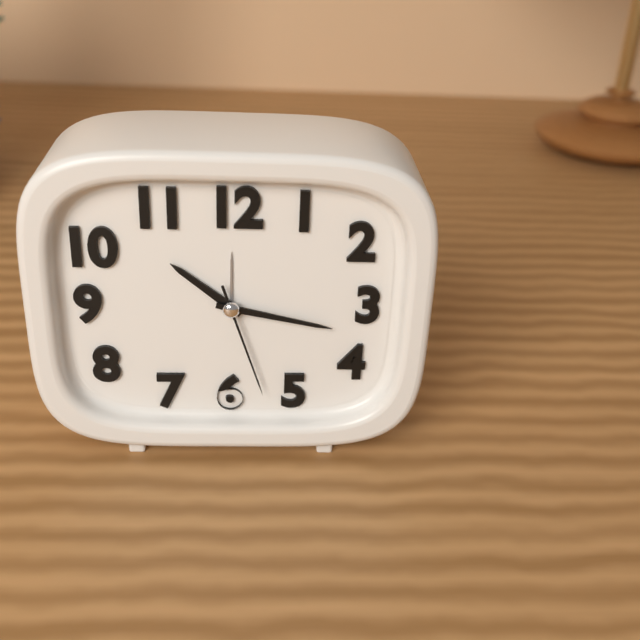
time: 10:17:27
